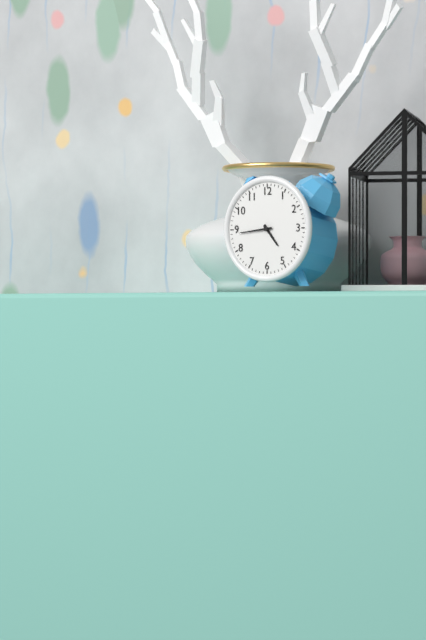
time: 4:44
